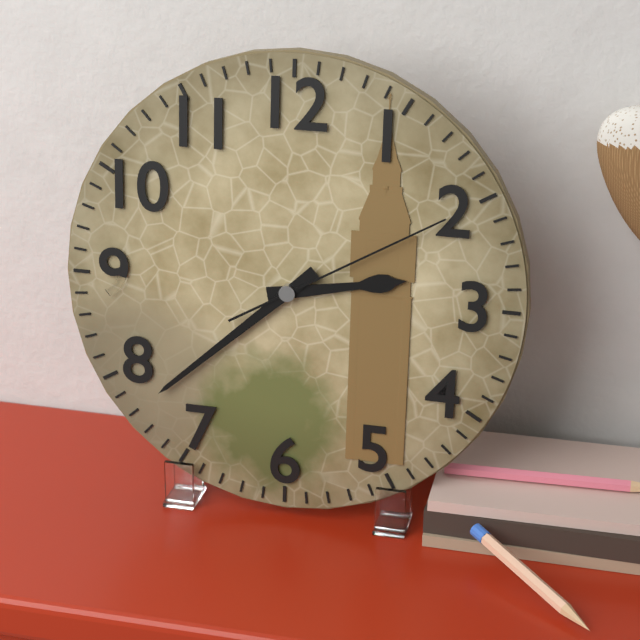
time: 2:38:10
